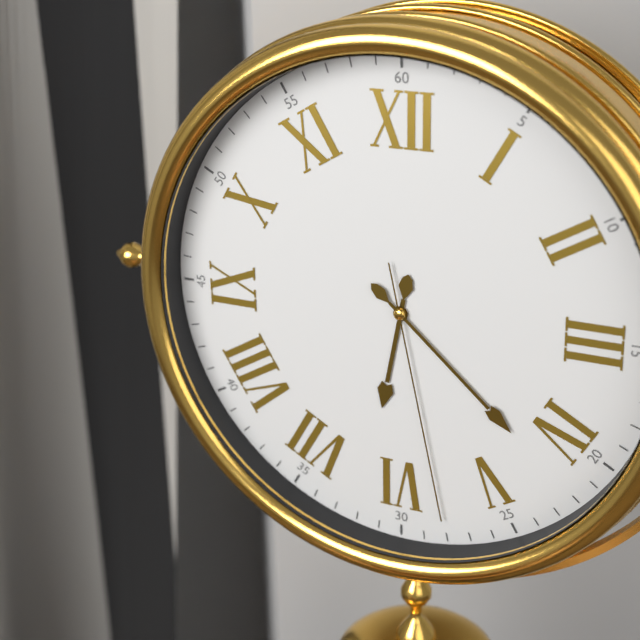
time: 6:22:28
